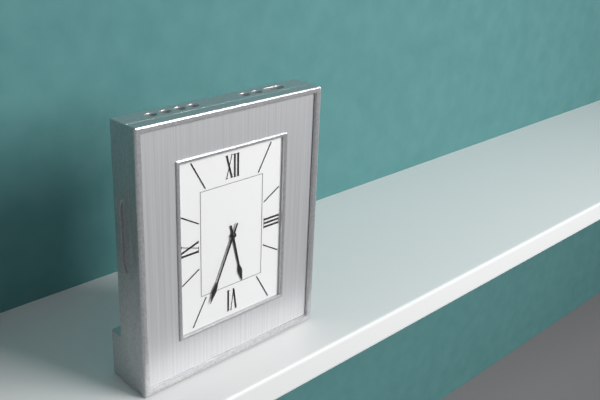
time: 5:34
